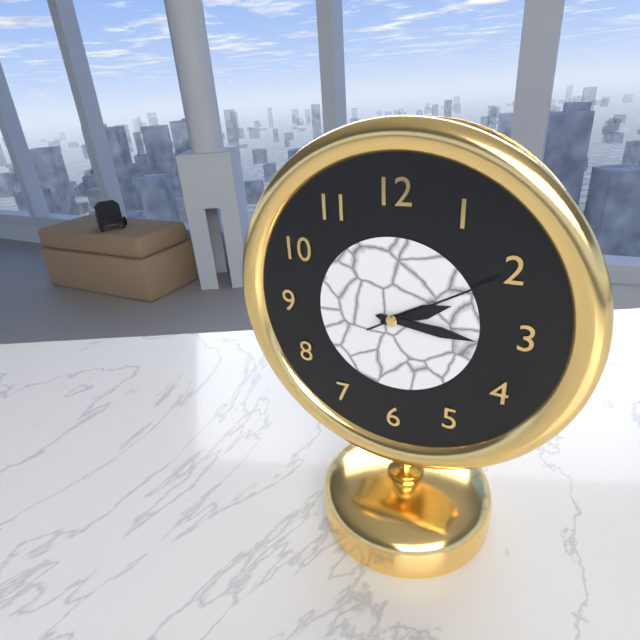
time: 2:16:10
